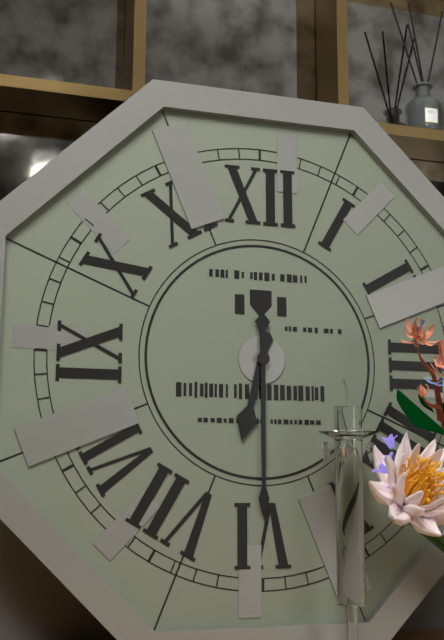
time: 6:30
